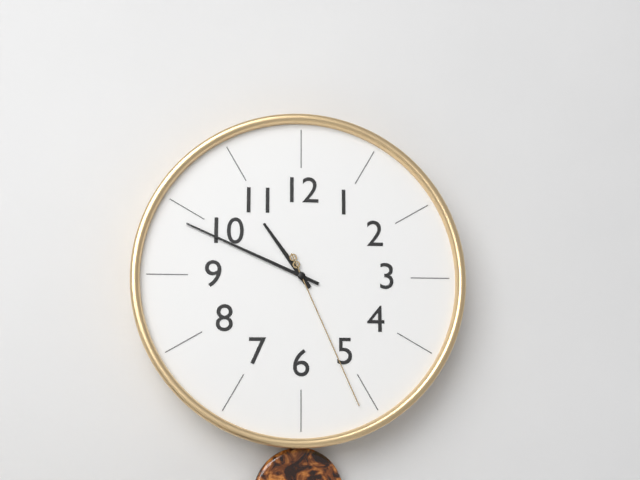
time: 10:49:26
